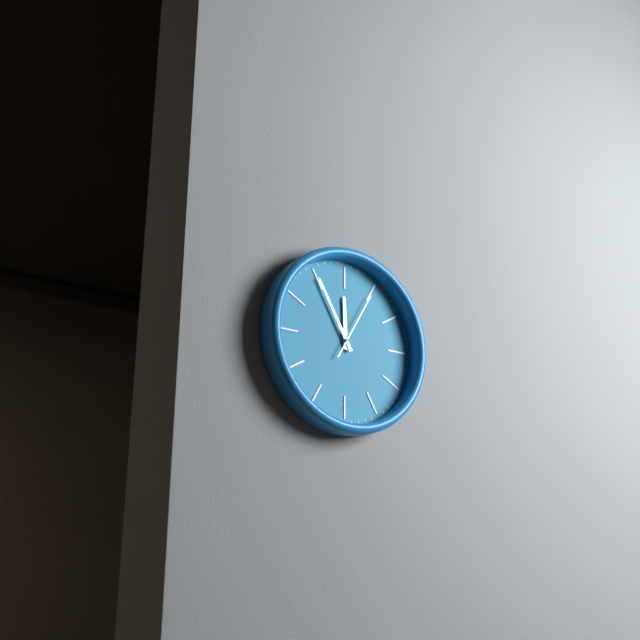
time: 11:55:05
